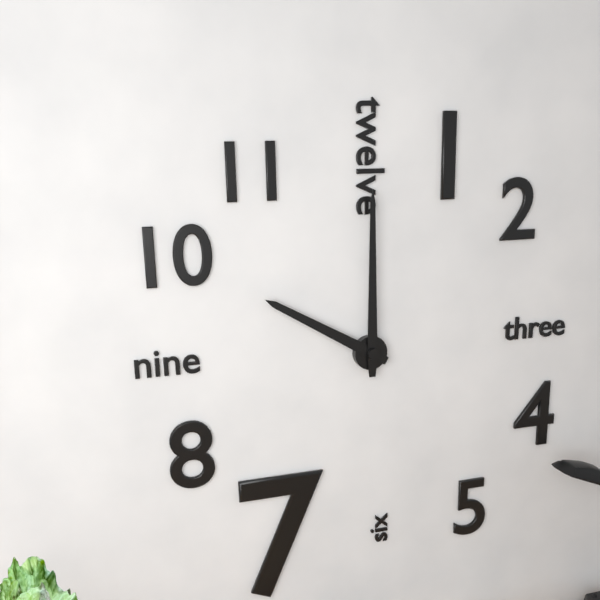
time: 10:00
